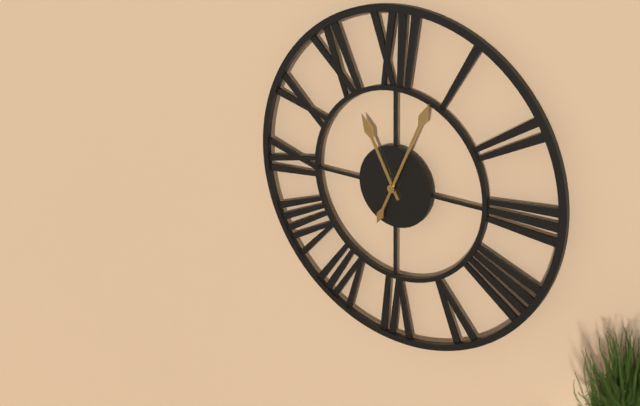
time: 11:04
